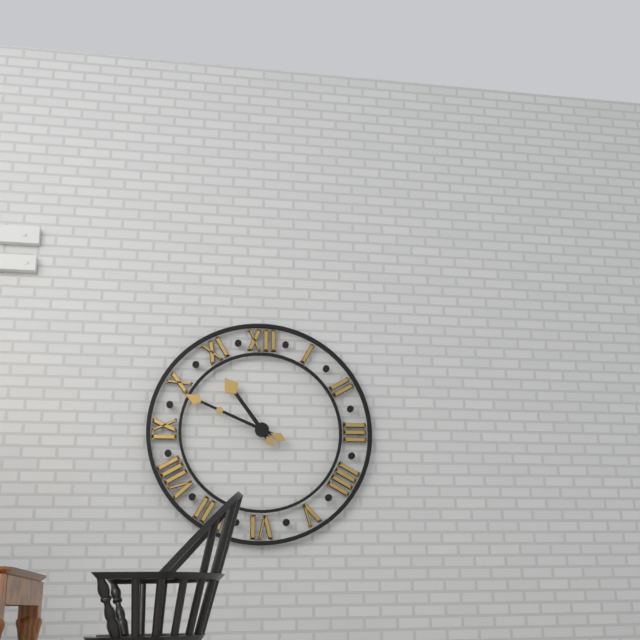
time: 10:49
